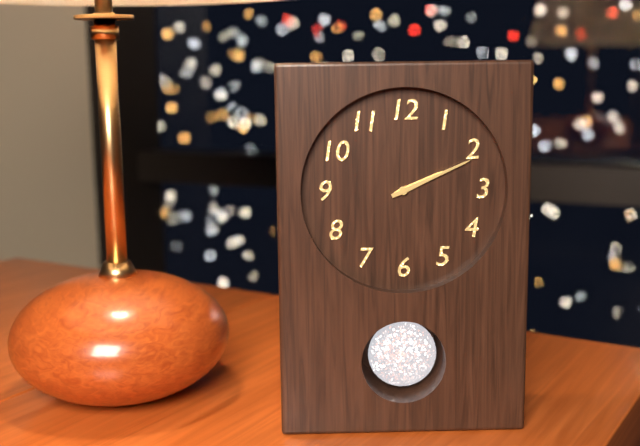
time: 2:11
